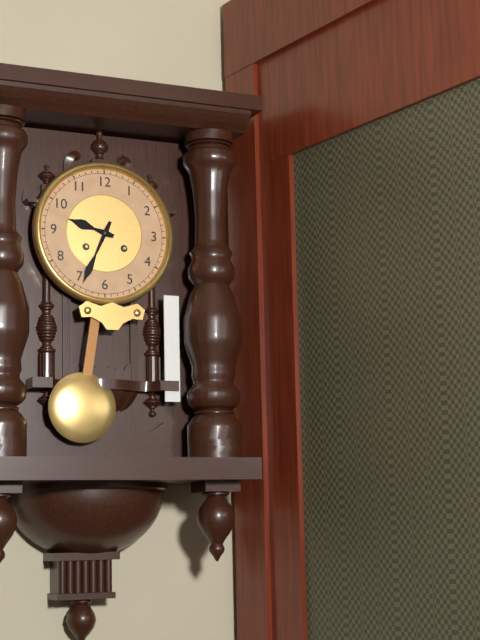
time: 9:34
